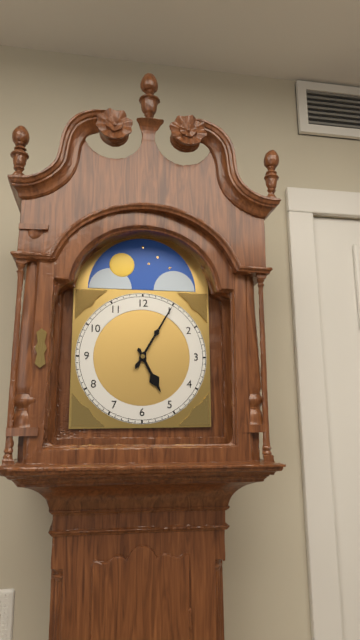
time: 5:05
